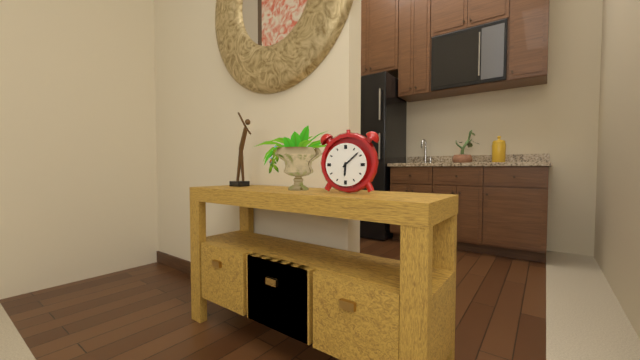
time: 6:08
